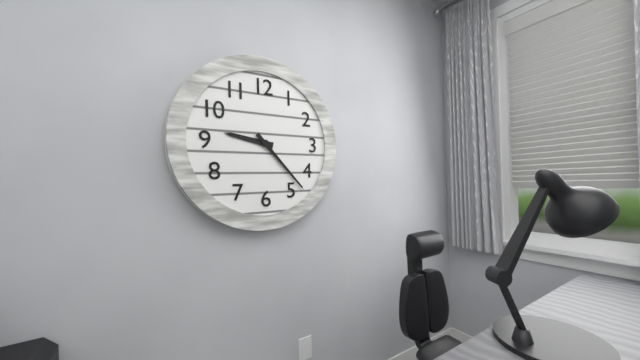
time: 9:23
